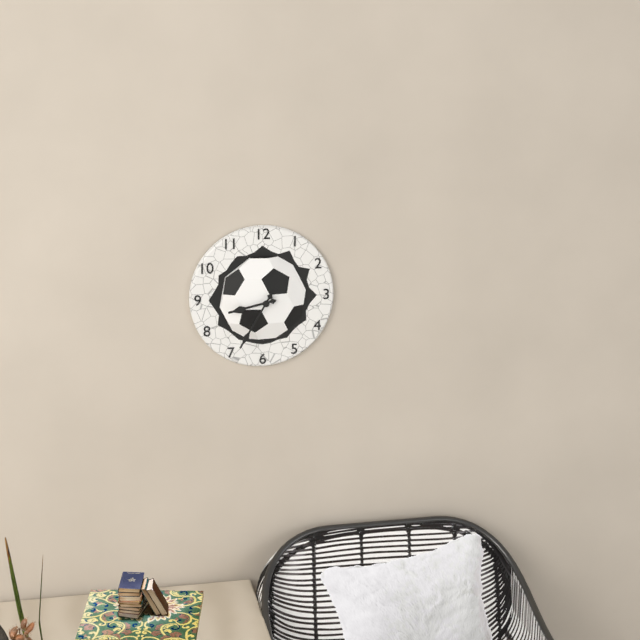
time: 8:35
